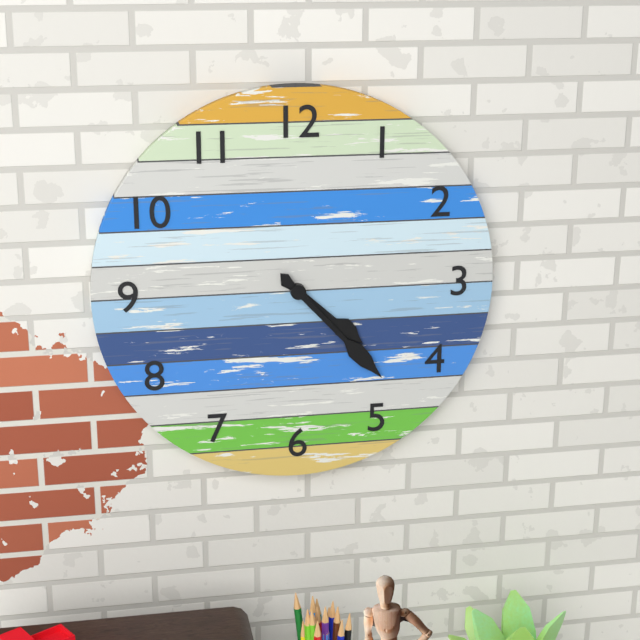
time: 4:23
